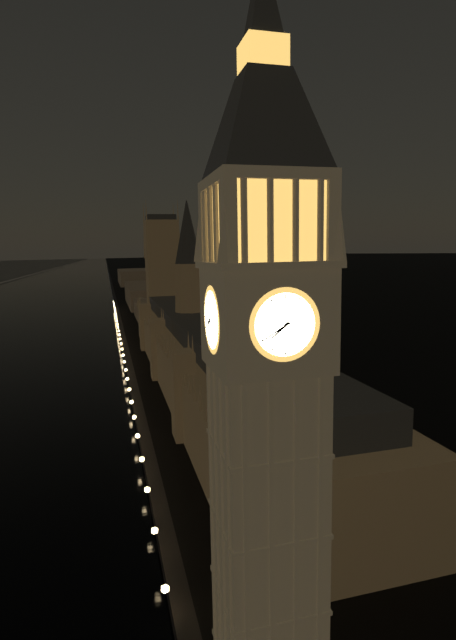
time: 7:40
